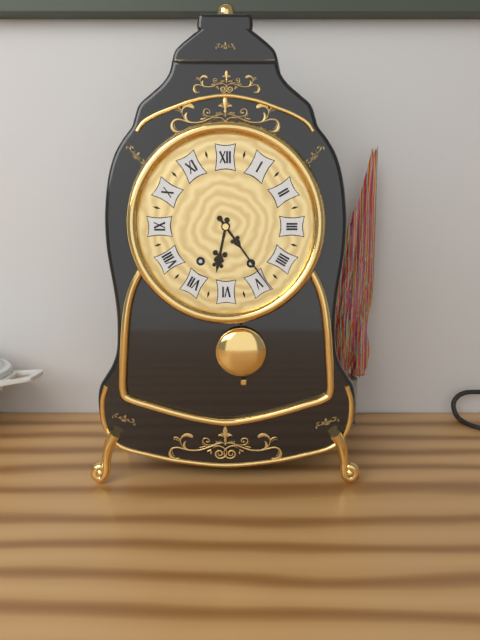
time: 6:24
